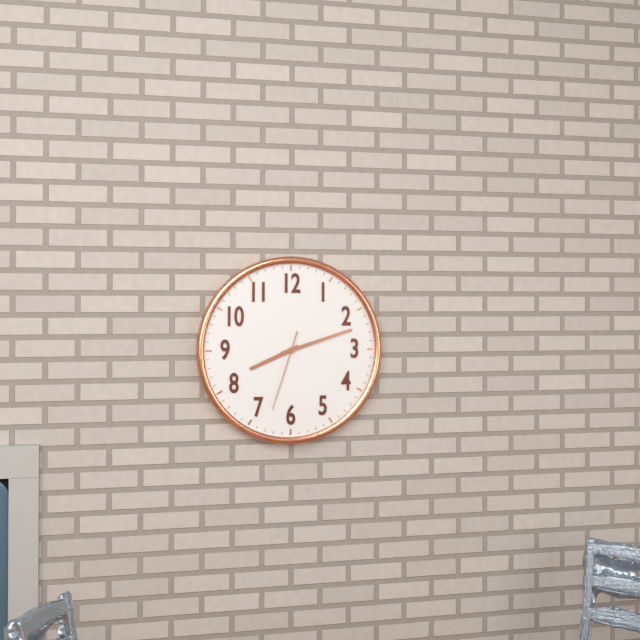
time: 8:12:33
